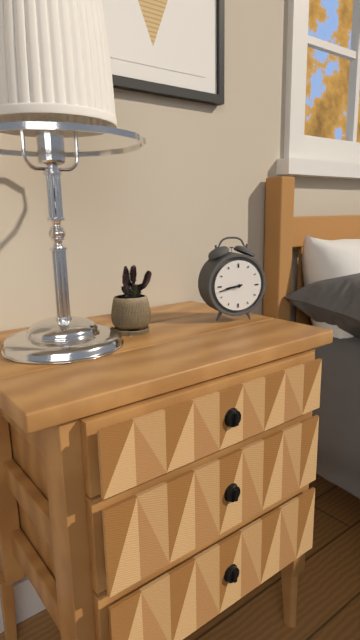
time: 8:43
